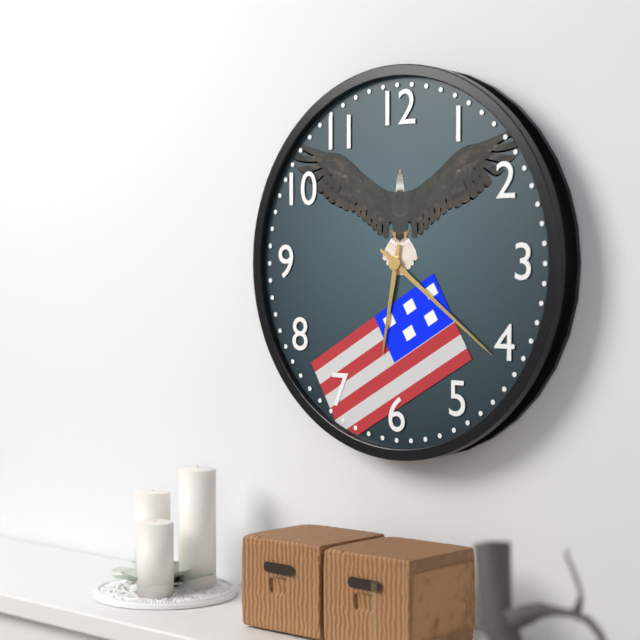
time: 6:21
